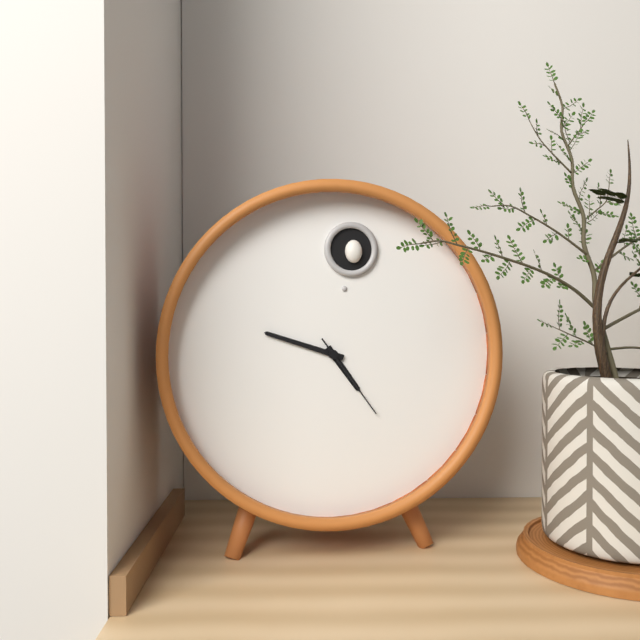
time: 4:48:24
